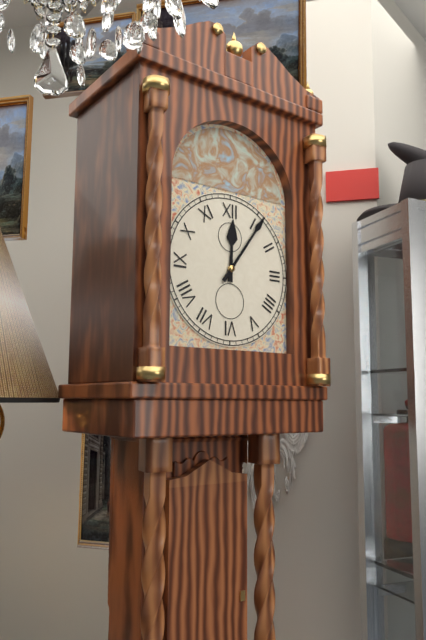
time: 12:06
